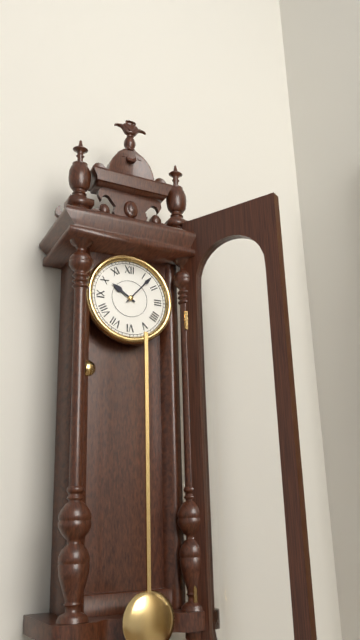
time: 10:07
